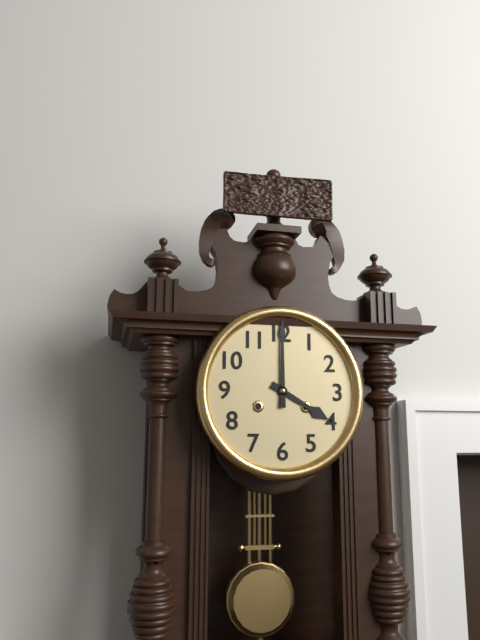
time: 4:00
